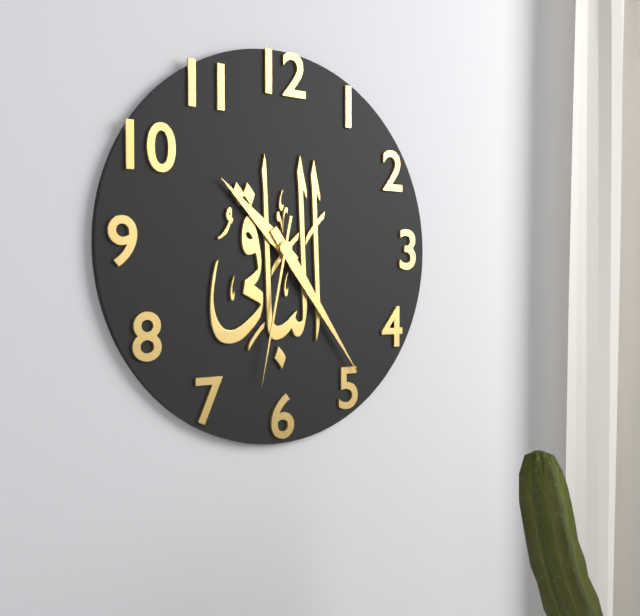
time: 10:24:32
